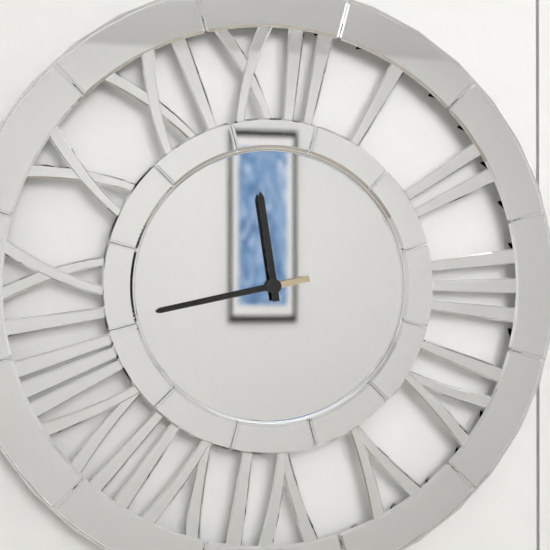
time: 11:43
